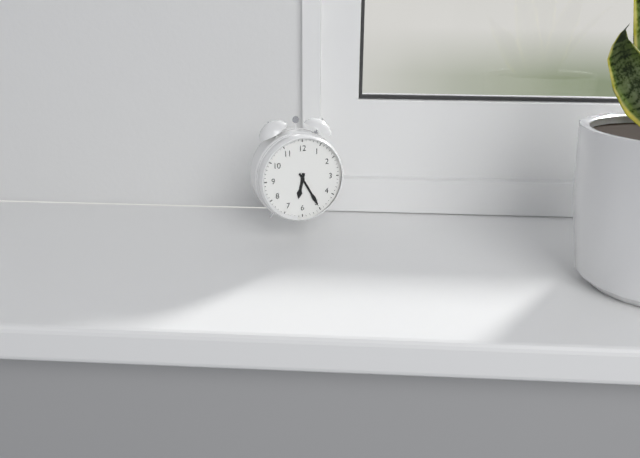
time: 6:25
